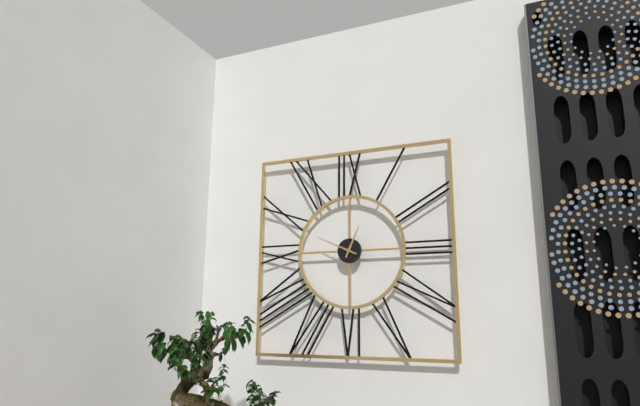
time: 12:49
